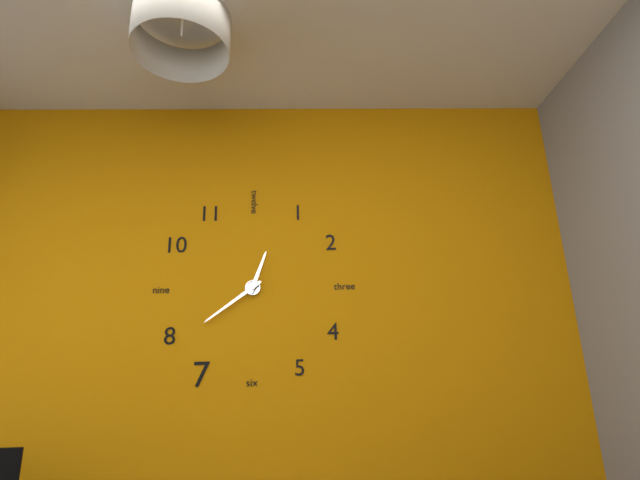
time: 12:39
